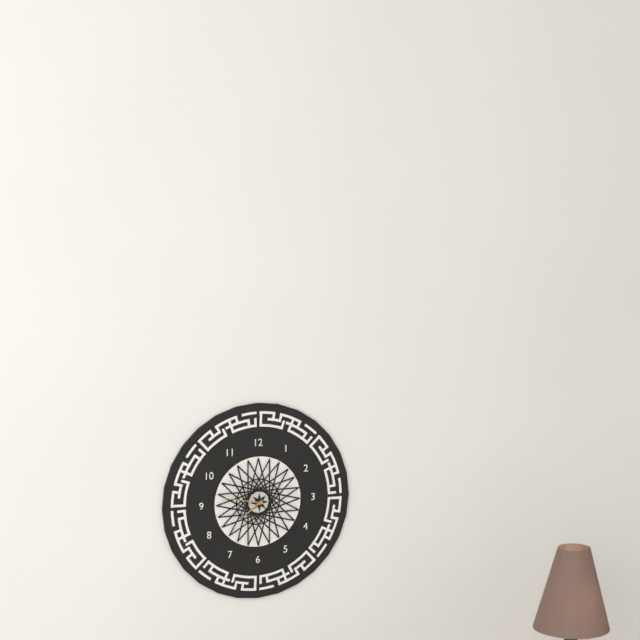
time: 7:47
